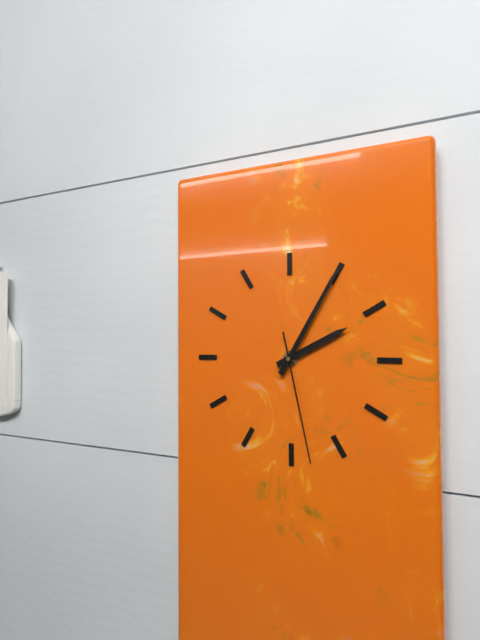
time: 2:05:28
